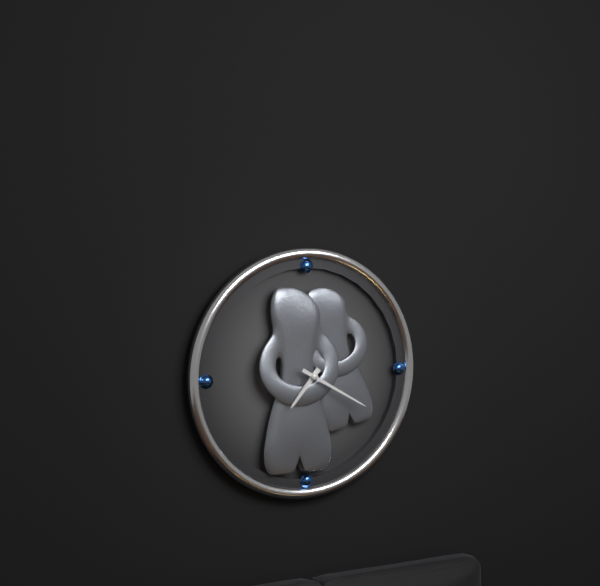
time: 7:20
